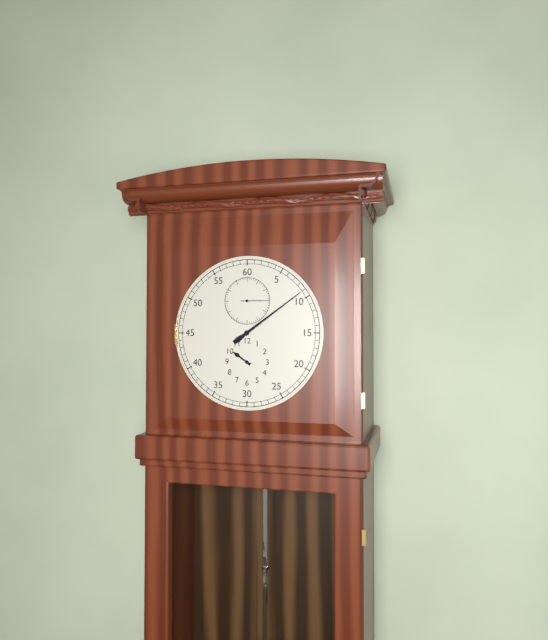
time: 10:09
